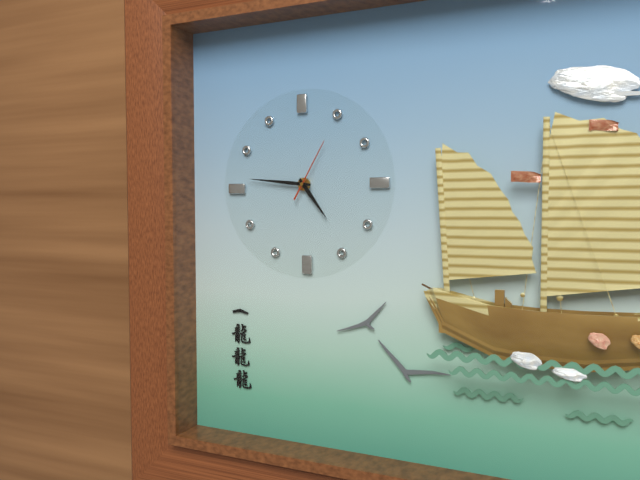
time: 4:46:05
